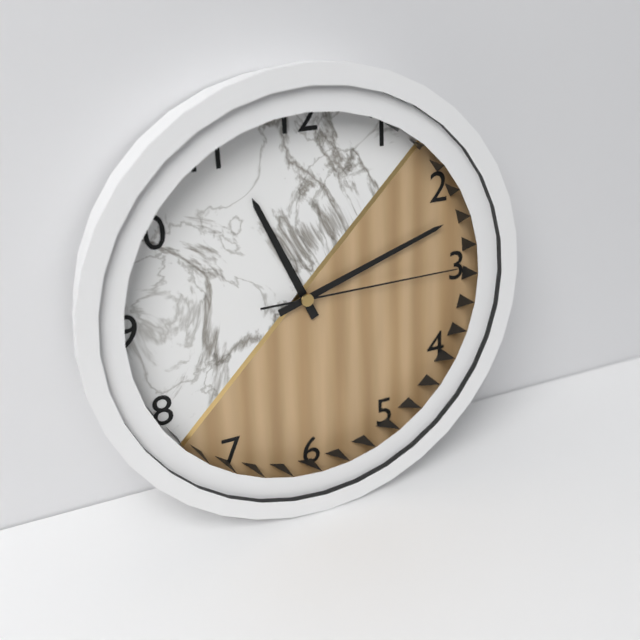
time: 11:12:15
